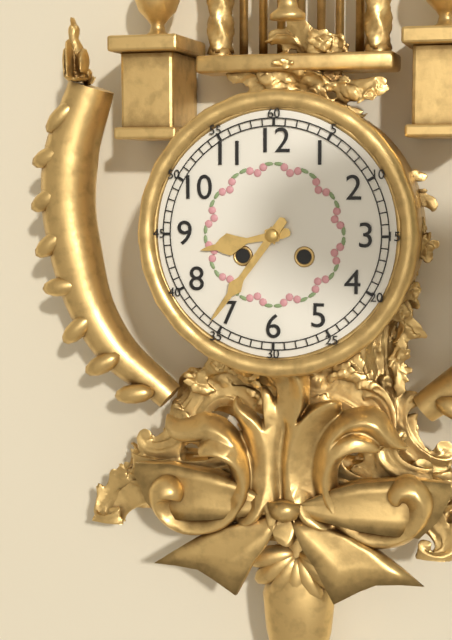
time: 8:36
